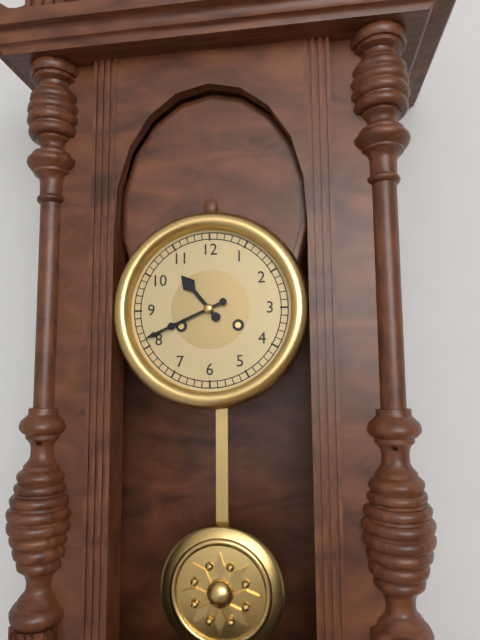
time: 10:41
